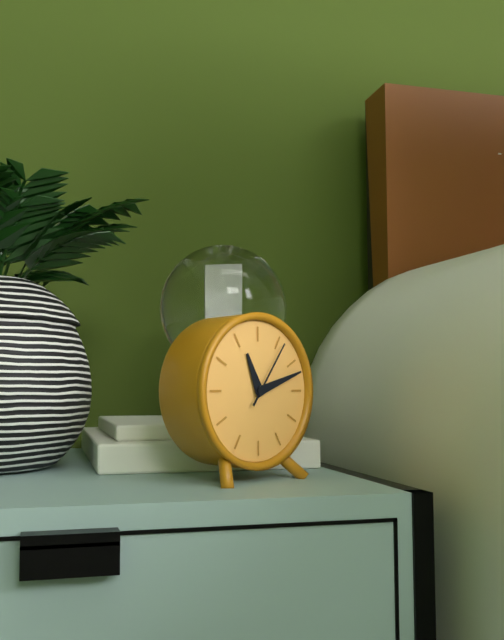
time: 11:12:06
